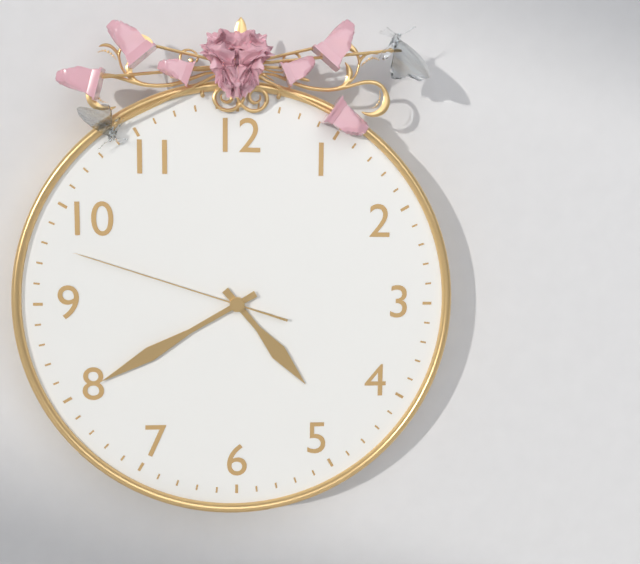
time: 4:40:48
